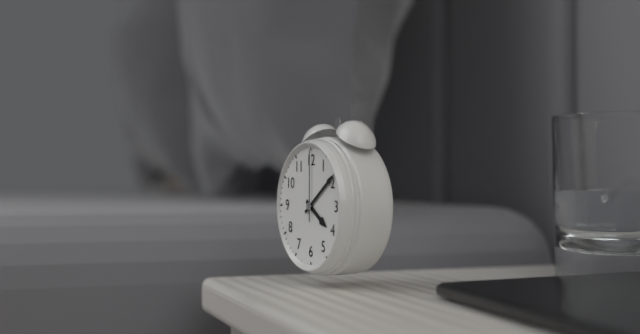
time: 4:09:00
